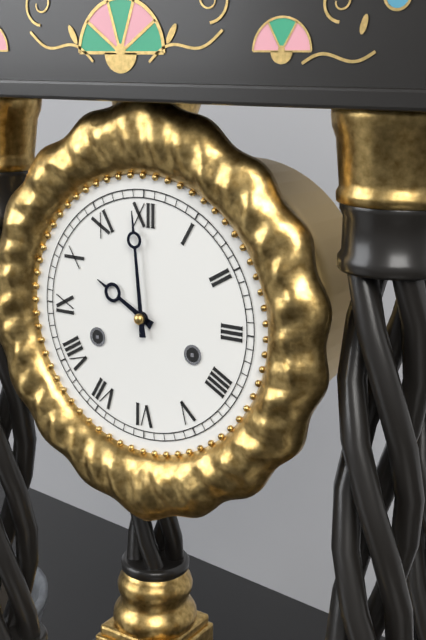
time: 9:59
